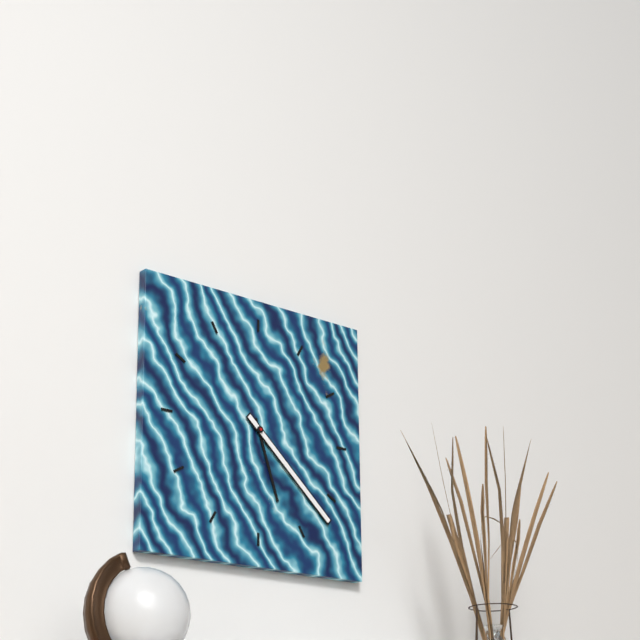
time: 5:22
